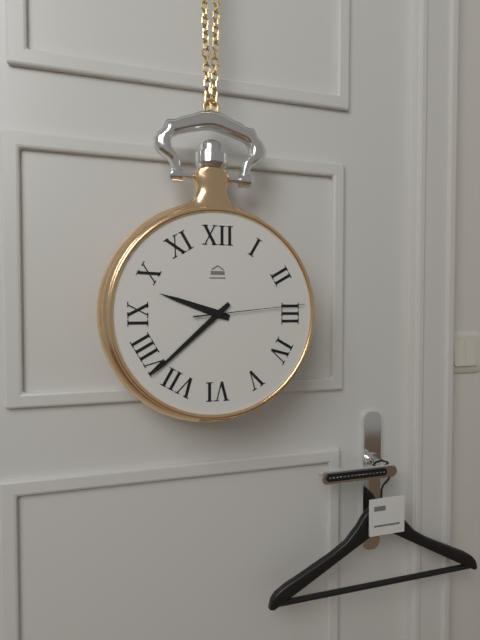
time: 9:38:14
